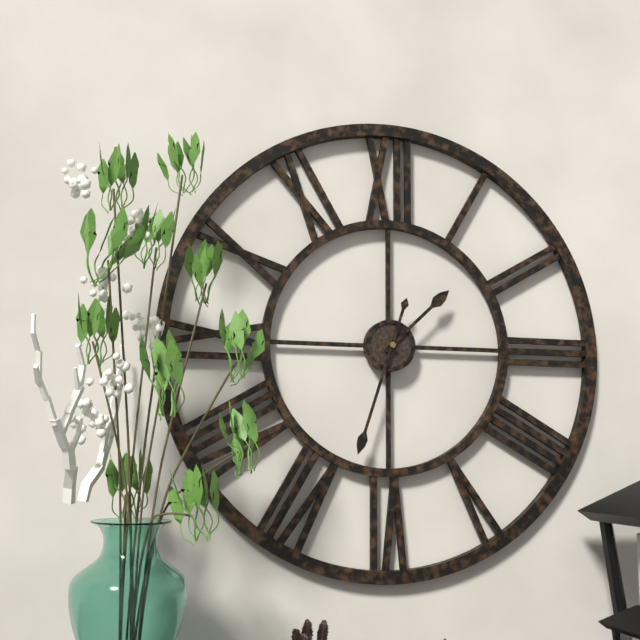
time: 1:33
